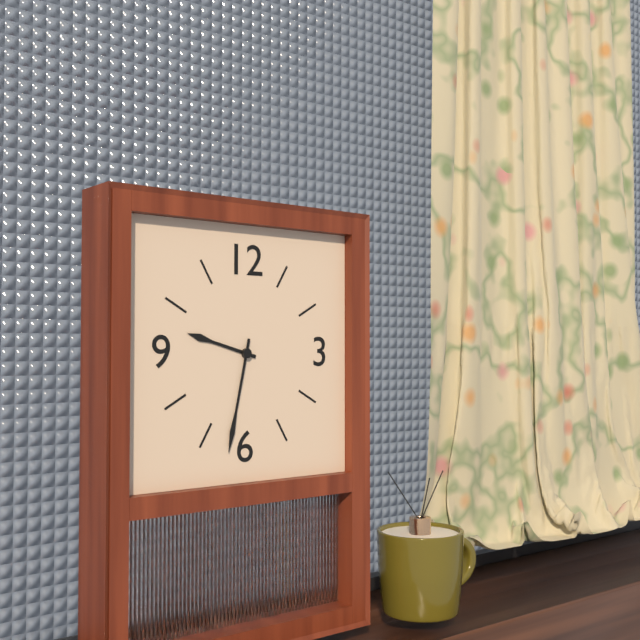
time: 9:32
